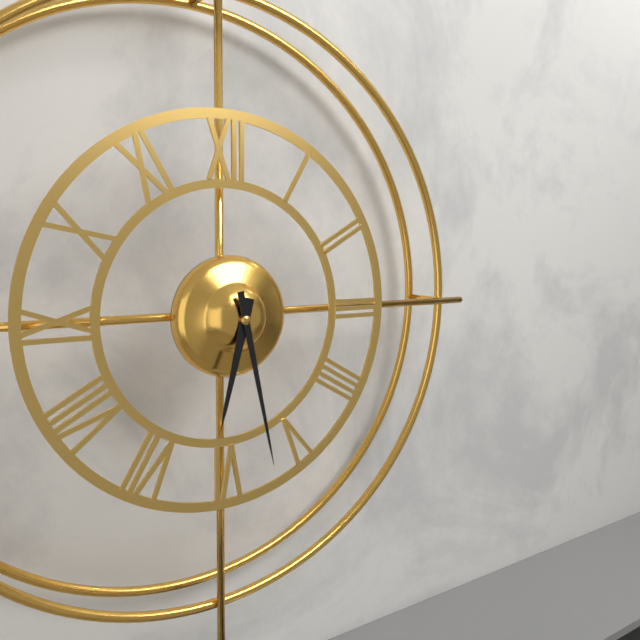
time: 6:28
